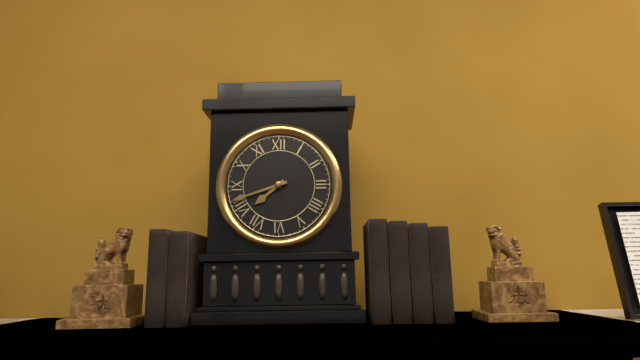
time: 7:42
